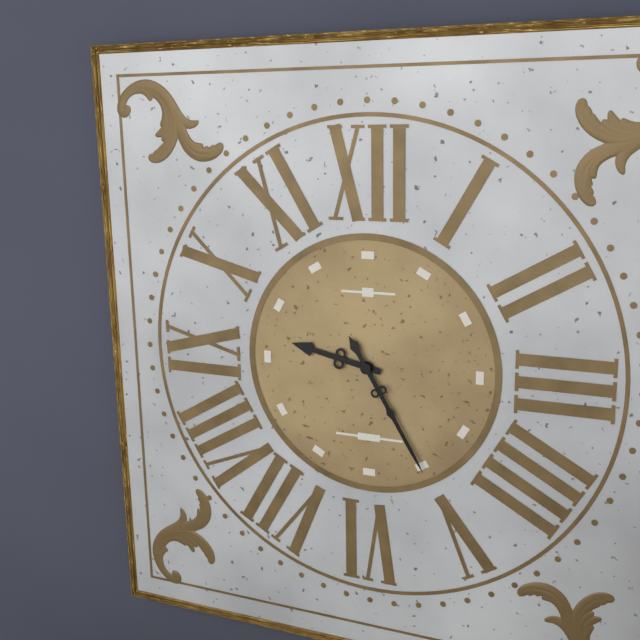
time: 9:25
